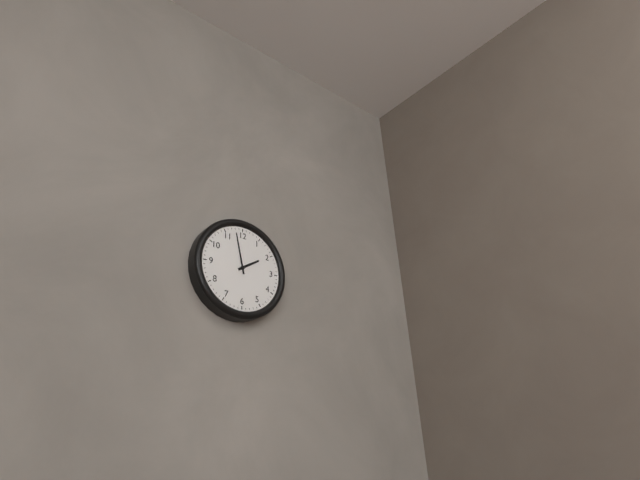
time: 1:58
